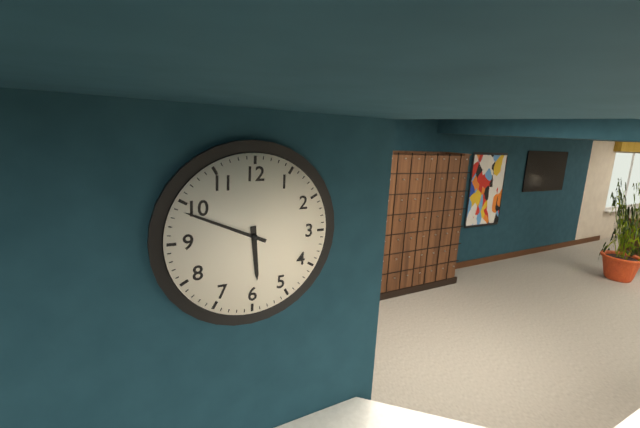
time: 5:49
